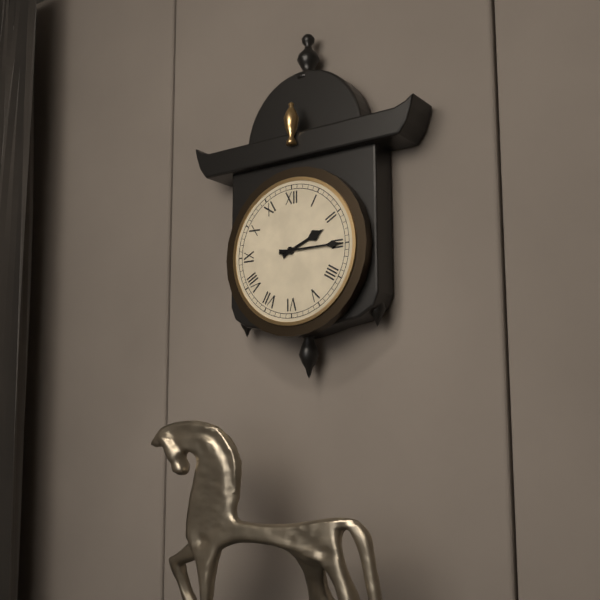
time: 2:15
